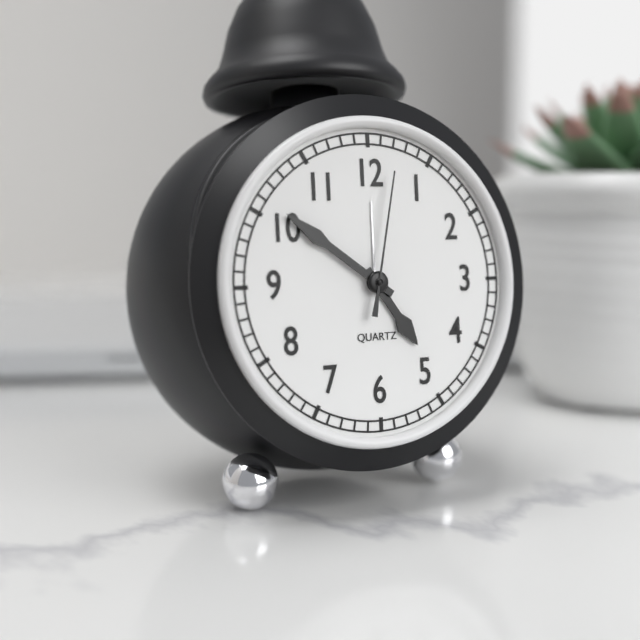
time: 4:51:02
